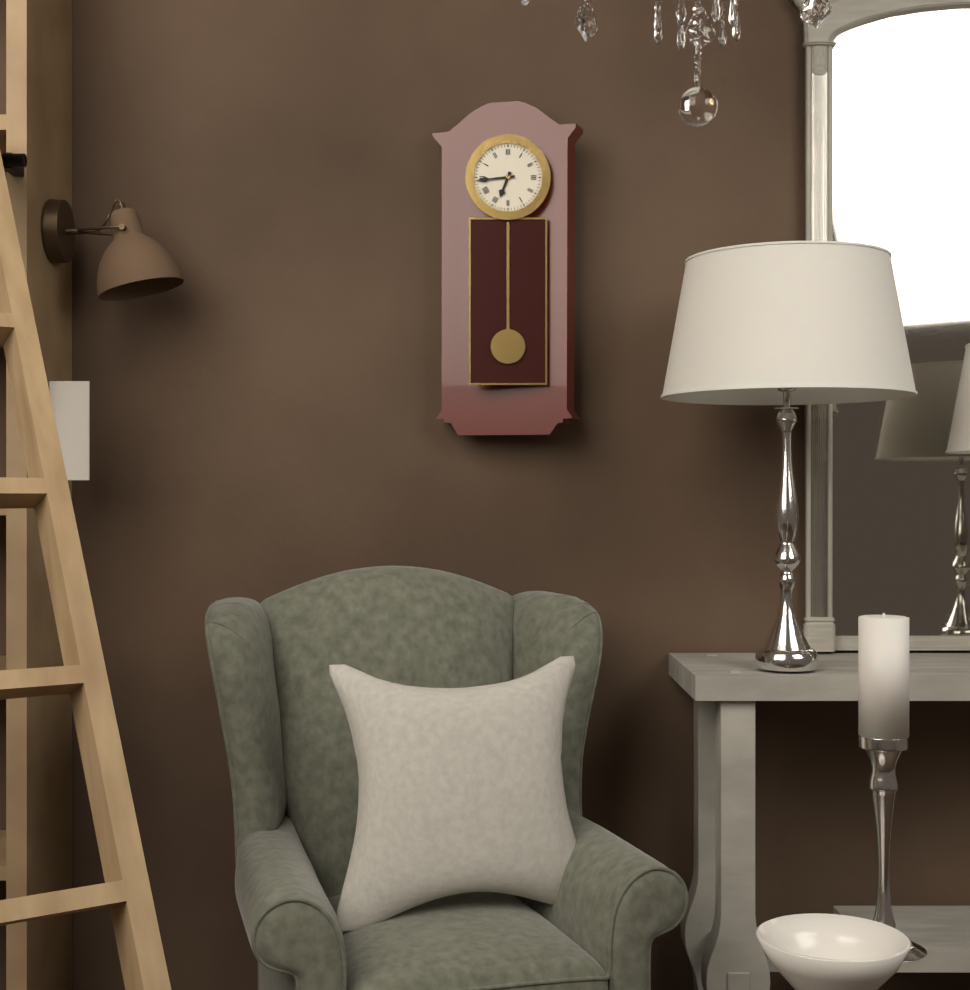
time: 6:44
